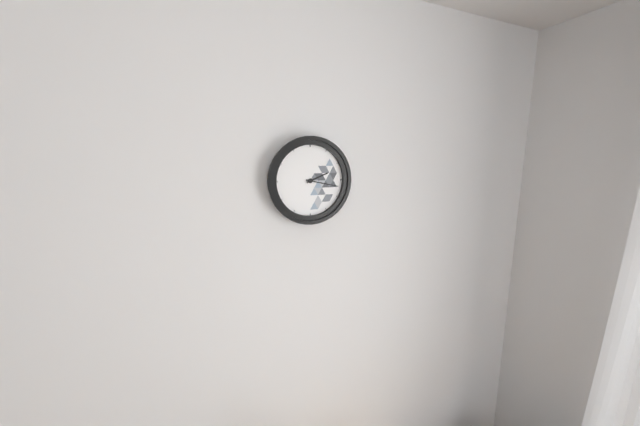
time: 2:17
